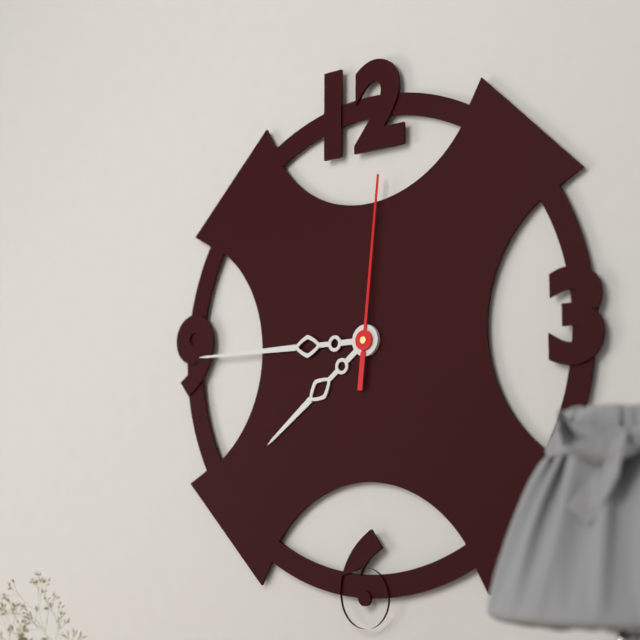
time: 7:45:01
